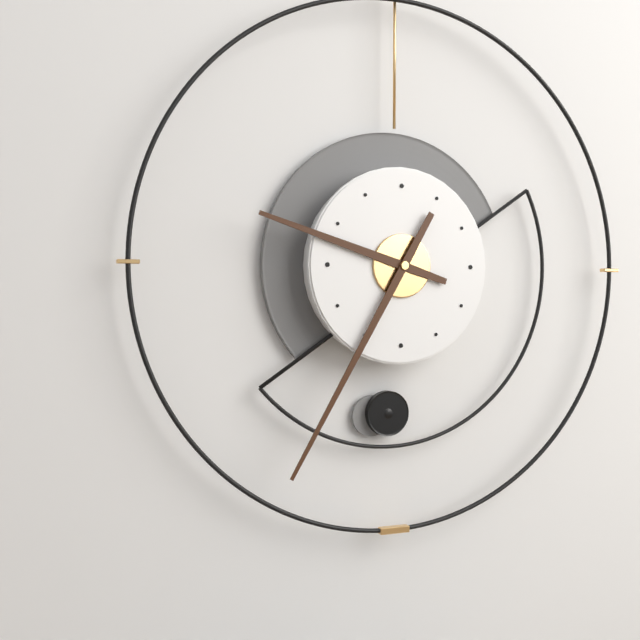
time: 9:35
